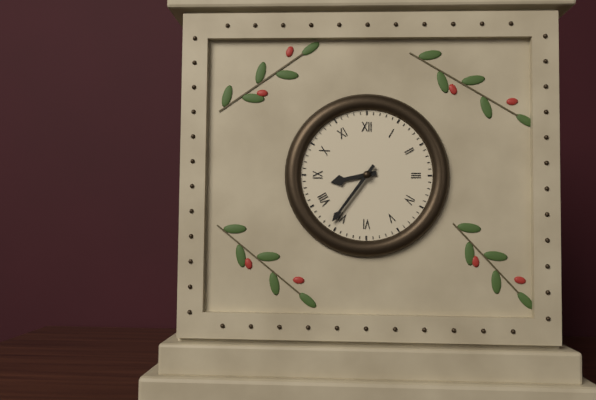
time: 8:36
